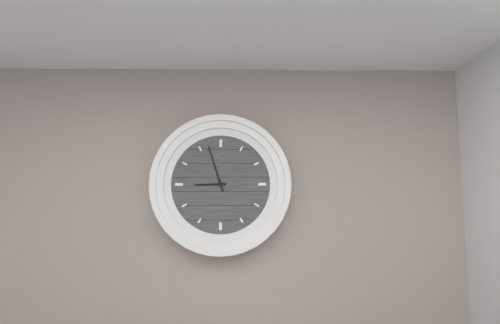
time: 8:57
